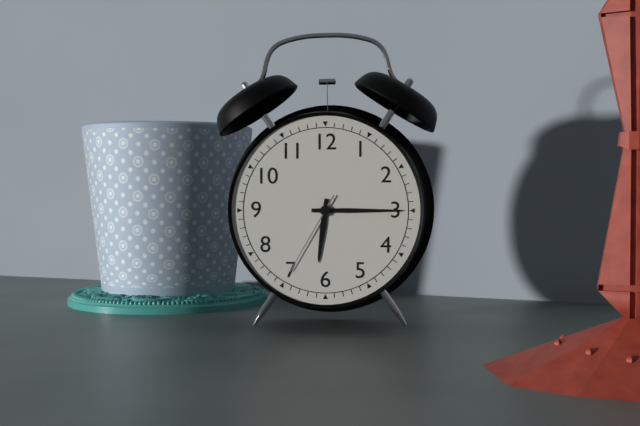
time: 6:15:35
